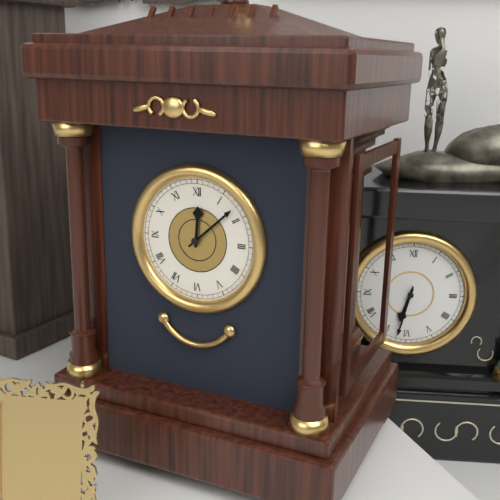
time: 12:08
